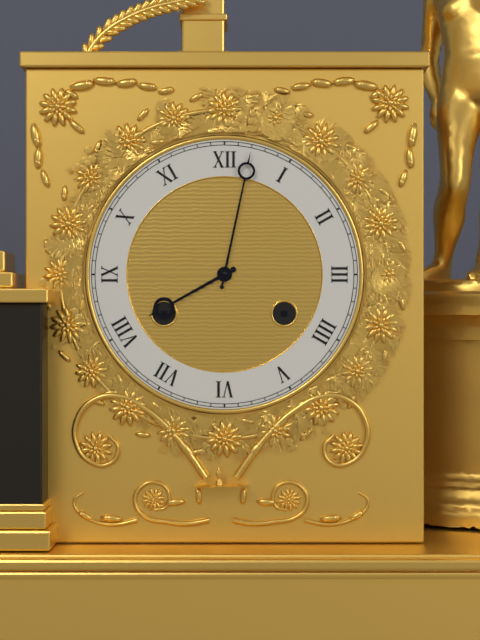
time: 8:02
